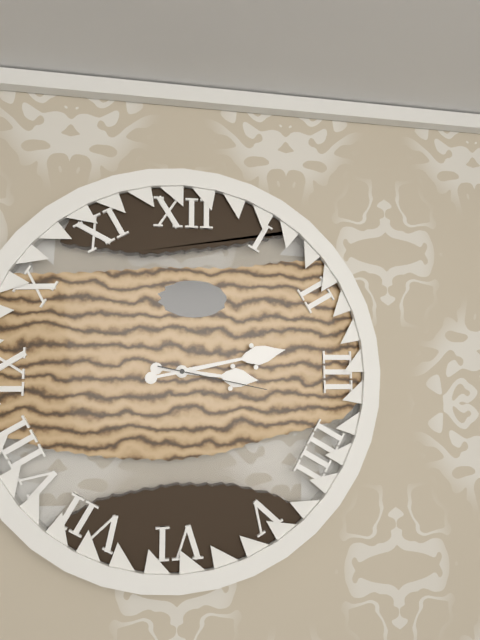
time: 3:13:17
